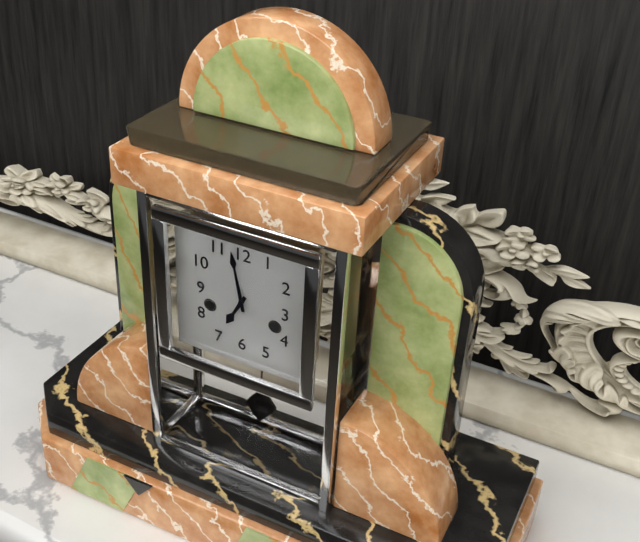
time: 6:58
